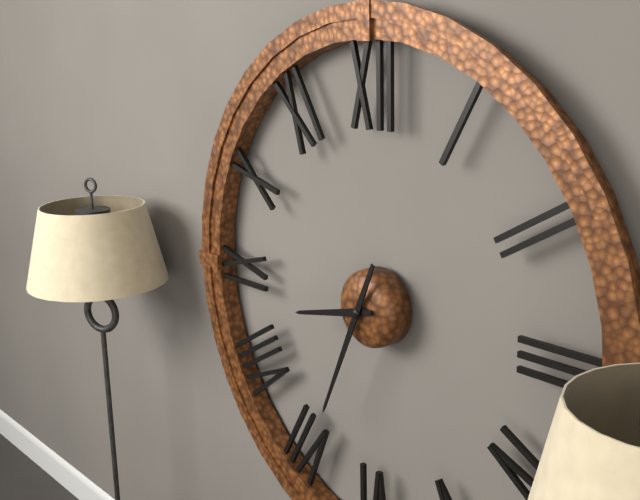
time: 8:34
